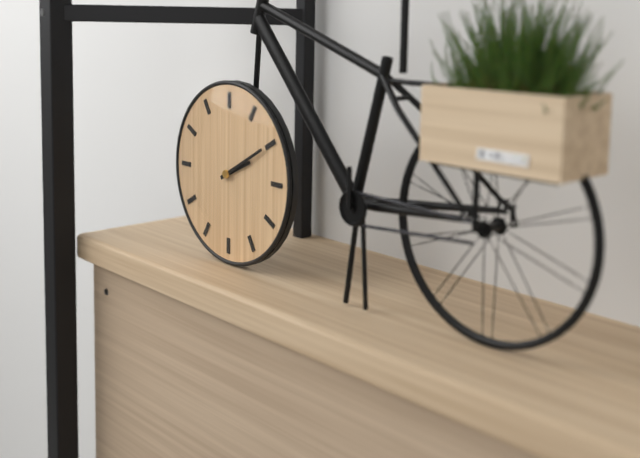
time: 2:10
